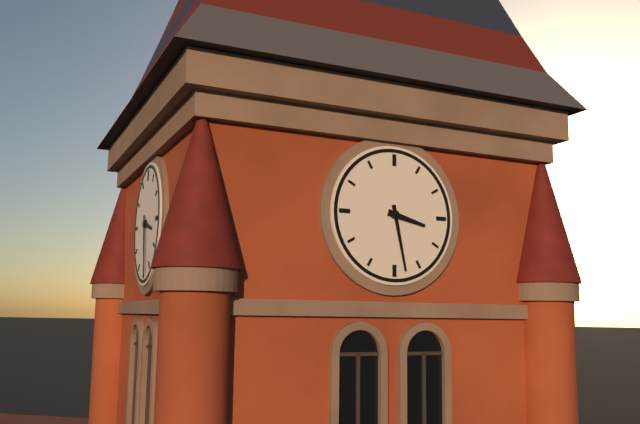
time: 3:28
